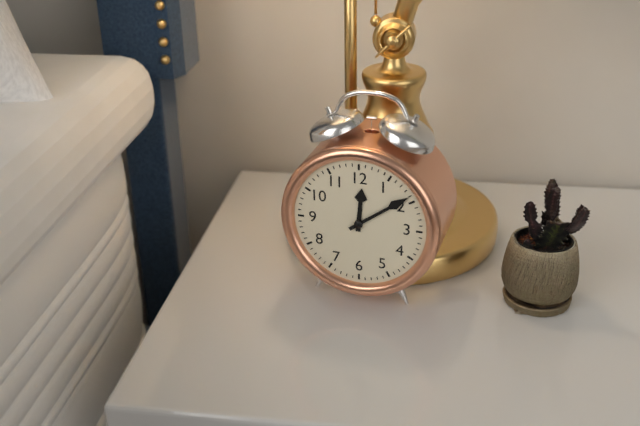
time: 12:09
